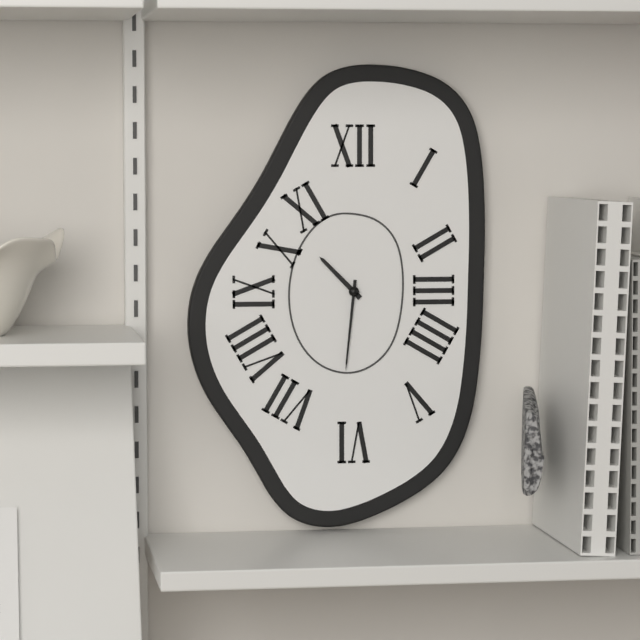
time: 10:31
